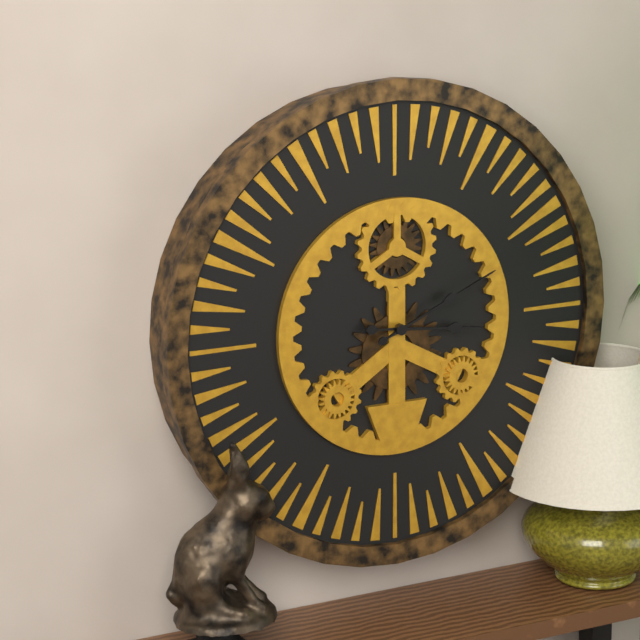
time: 3:11
